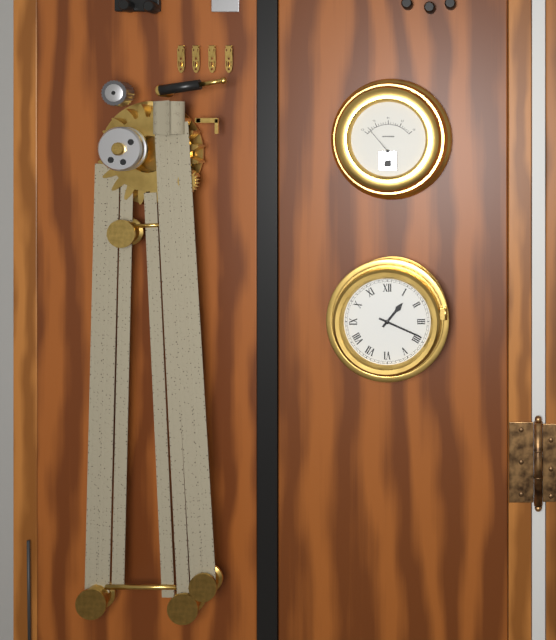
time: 1:19
